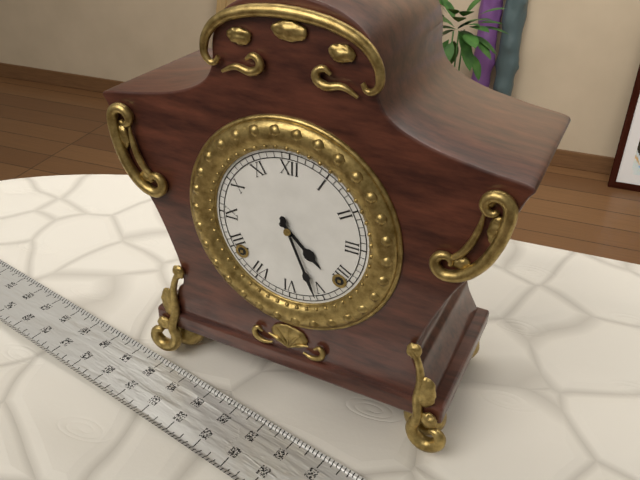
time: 4:26
